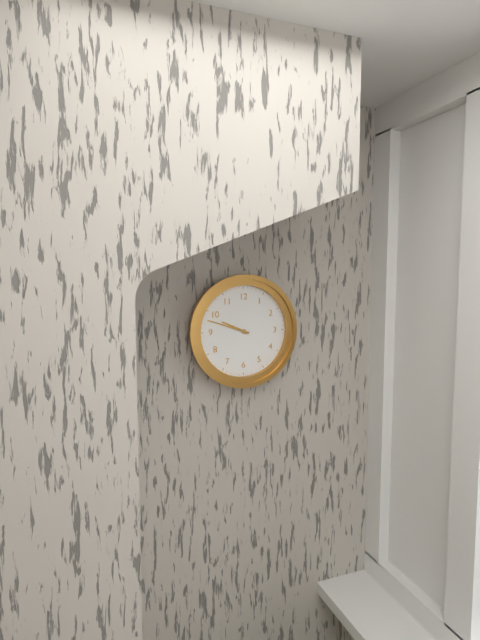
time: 9:48
